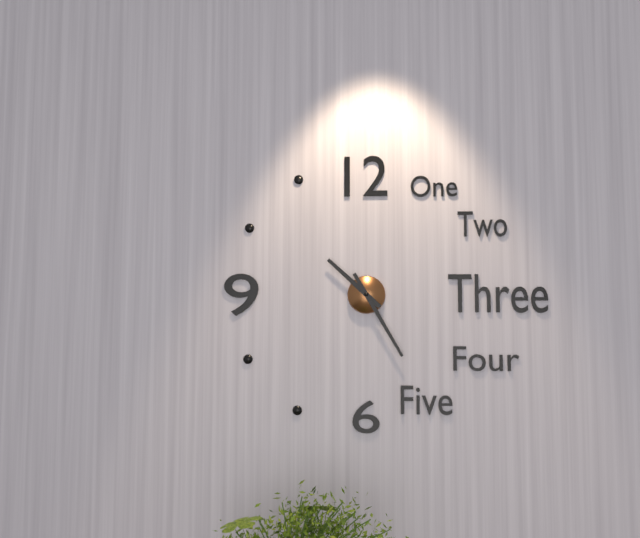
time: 10:25
